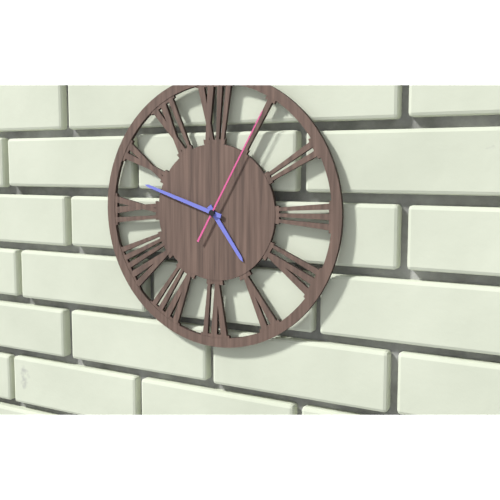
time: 4:48:05
